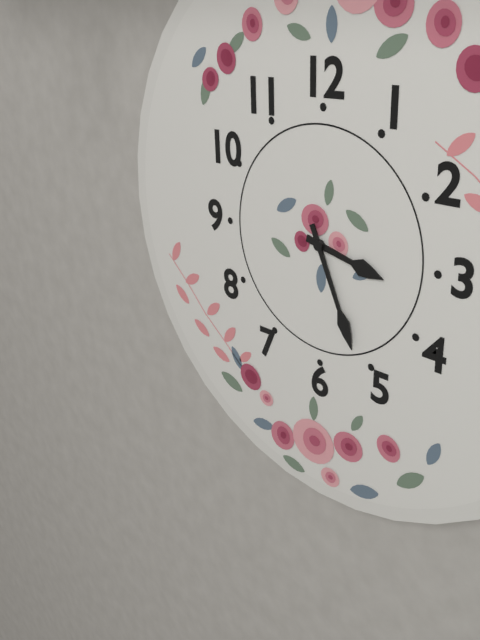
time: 3:26
